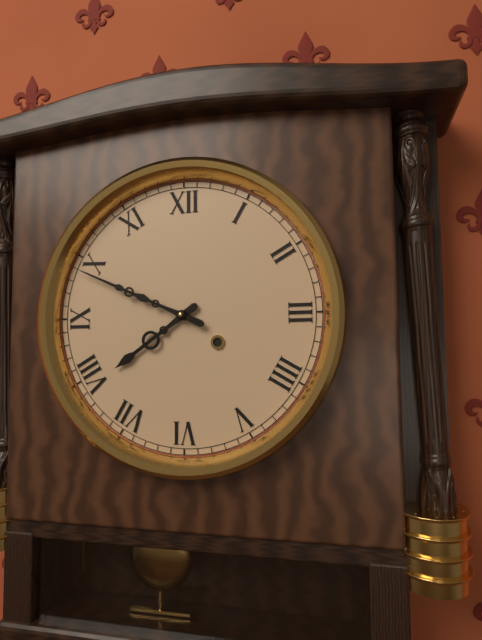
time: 7:49
